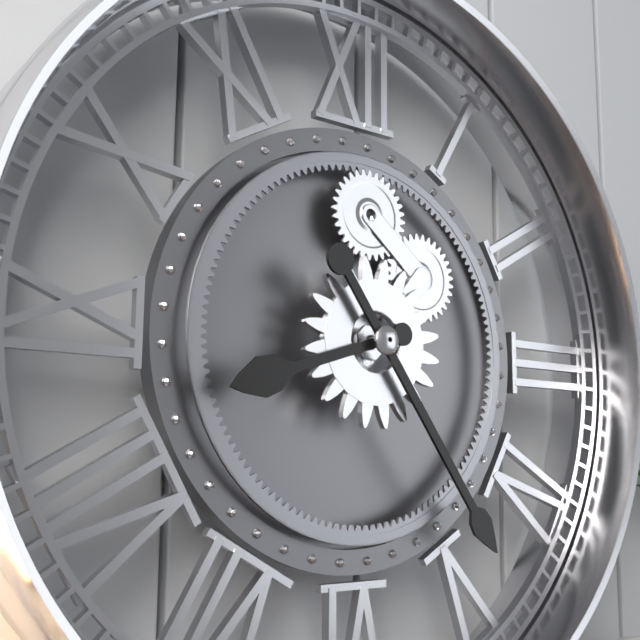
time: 8:24
